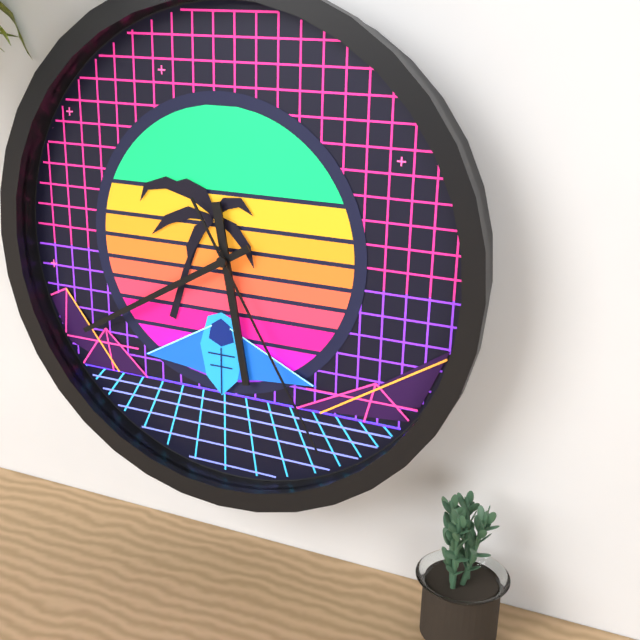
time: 5:40:25
